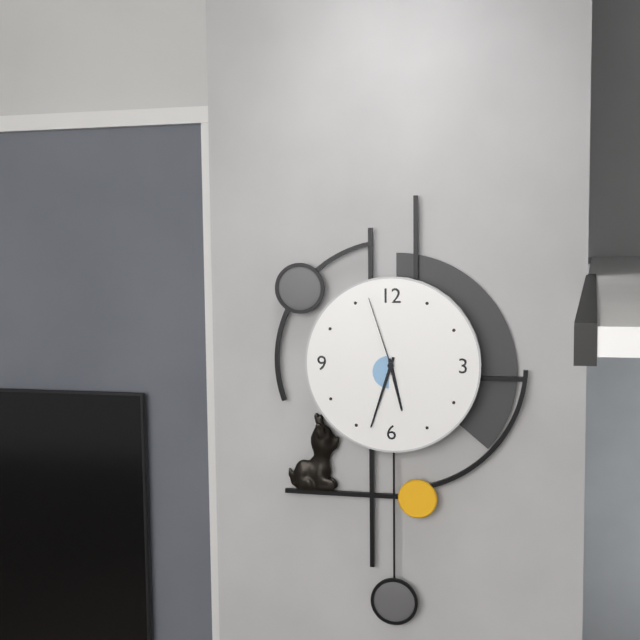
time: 5:33:57
